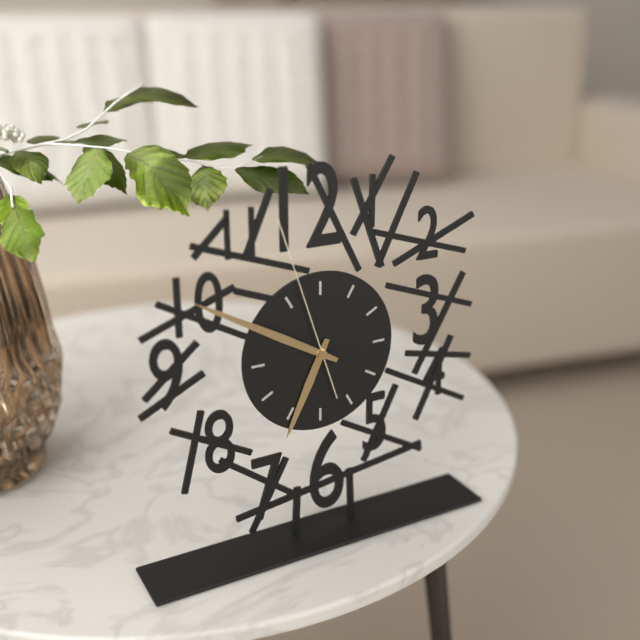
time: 6:50:57
